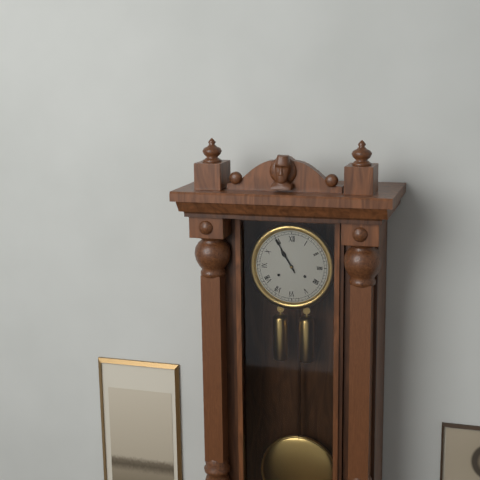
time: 10:55
